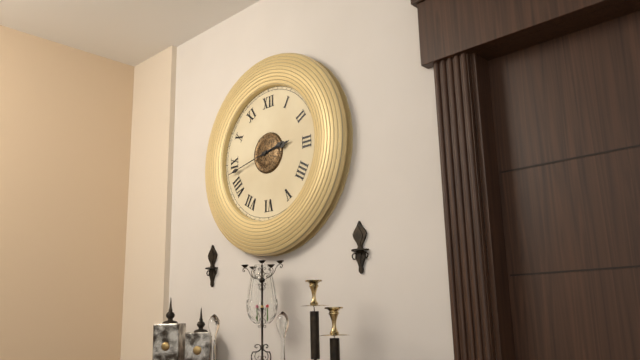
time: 2:43
